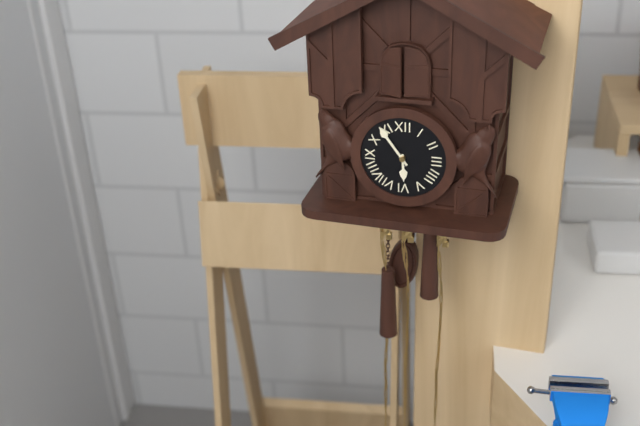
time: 5:54
